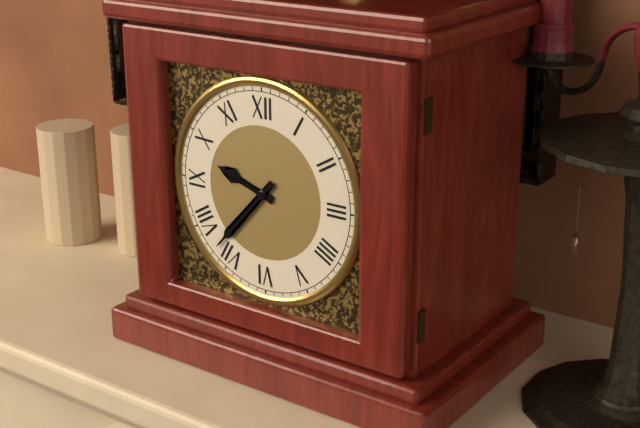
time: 9:37
